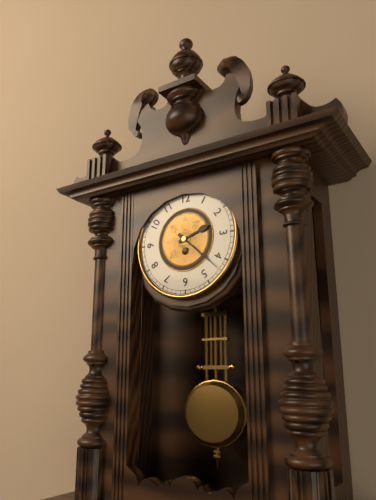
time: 2:22
